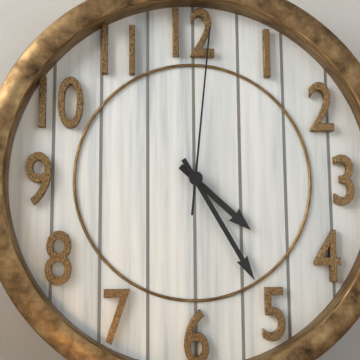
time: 4:25:01
